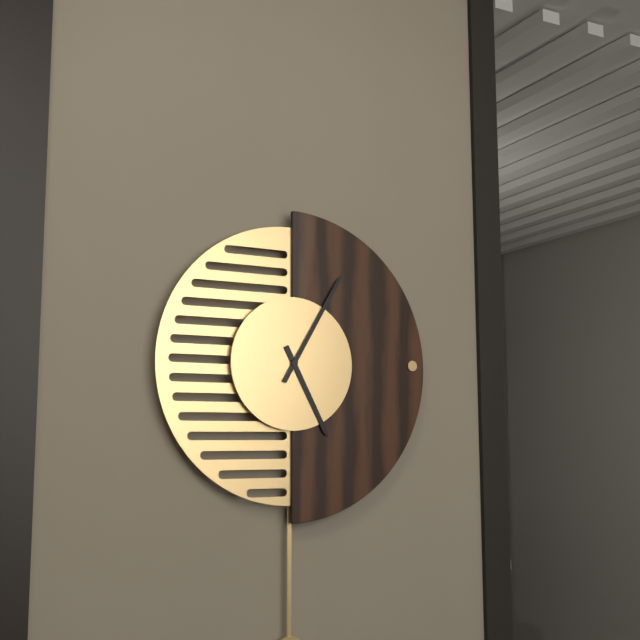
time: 5:05
